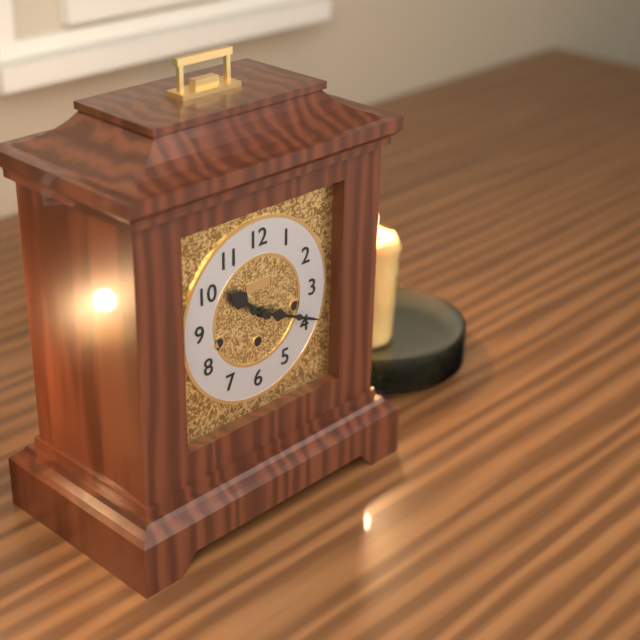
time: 10:19
